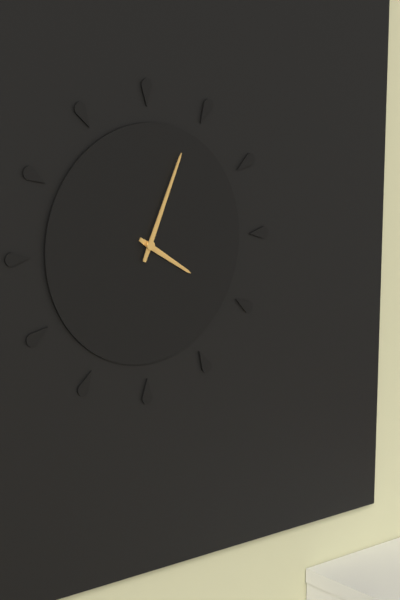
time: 4:04
